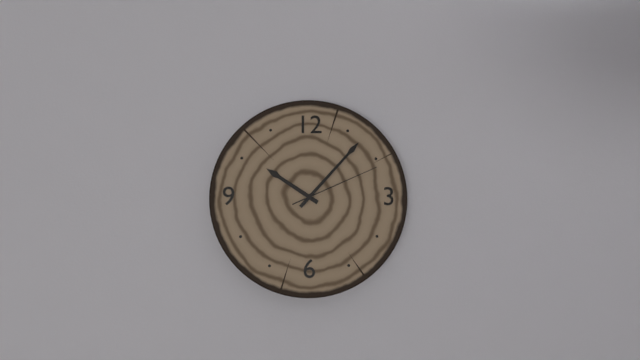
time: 10:07:11
